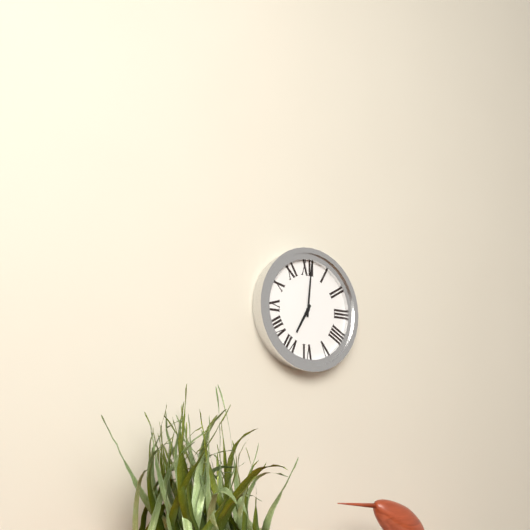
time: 7:01
